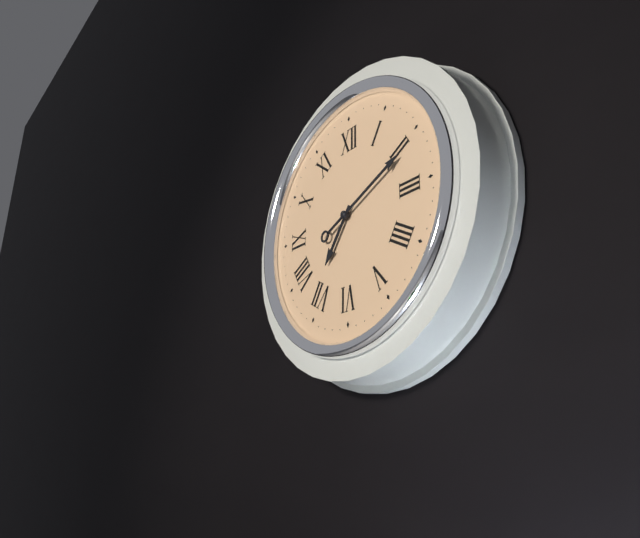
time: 7:11
